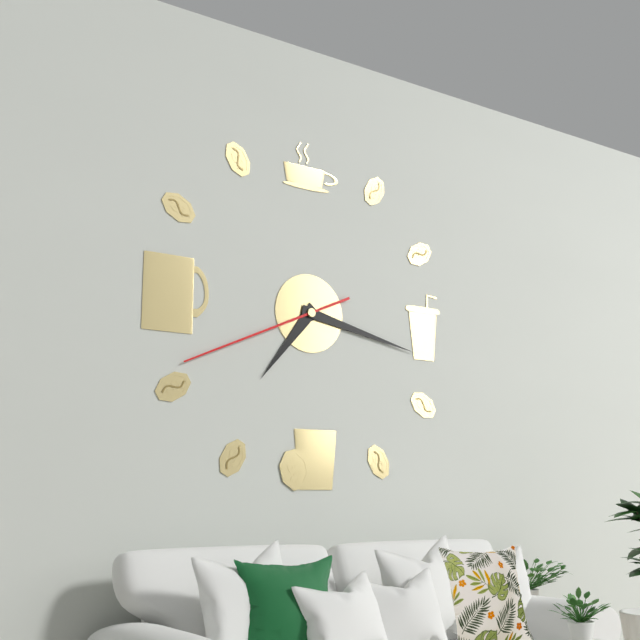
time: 7:17:41
